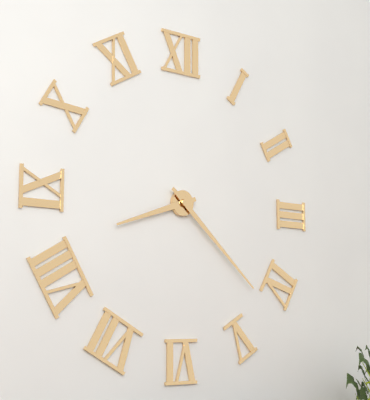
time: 8:22
